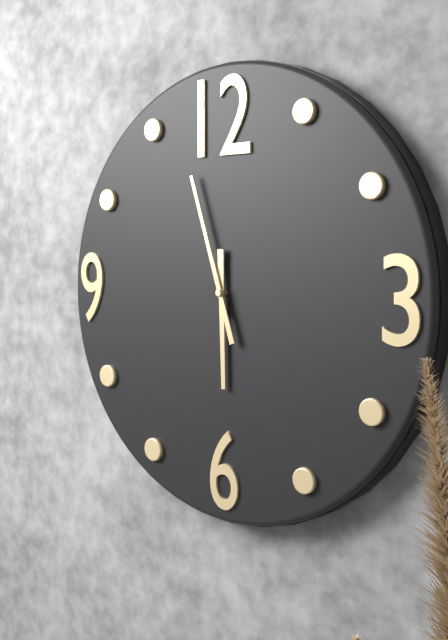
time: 5:57
